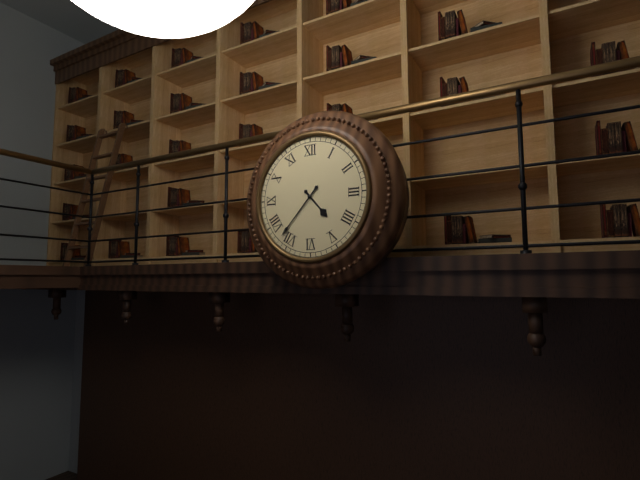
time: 4:37
